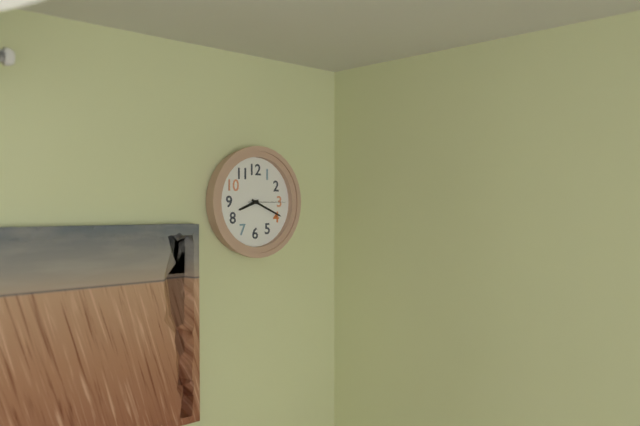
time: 8:19
